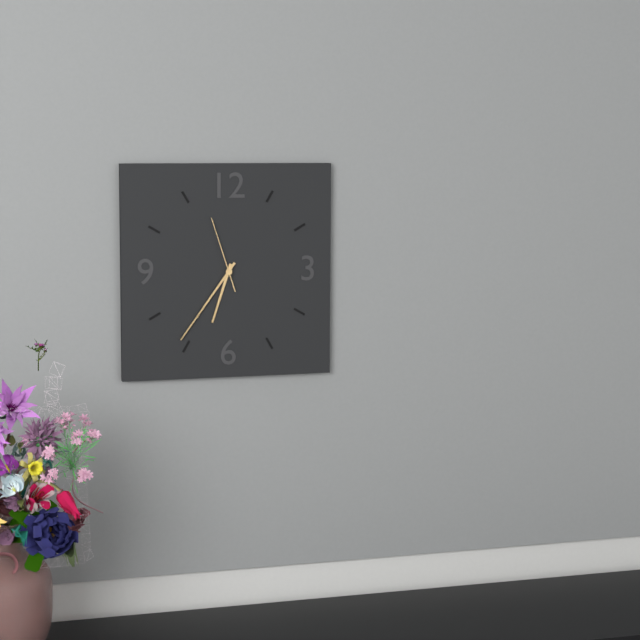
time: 6:36:57
